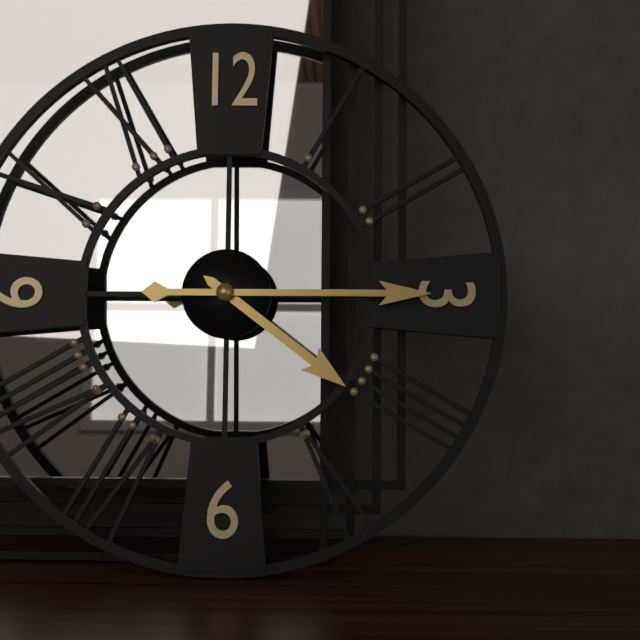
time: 4:15
